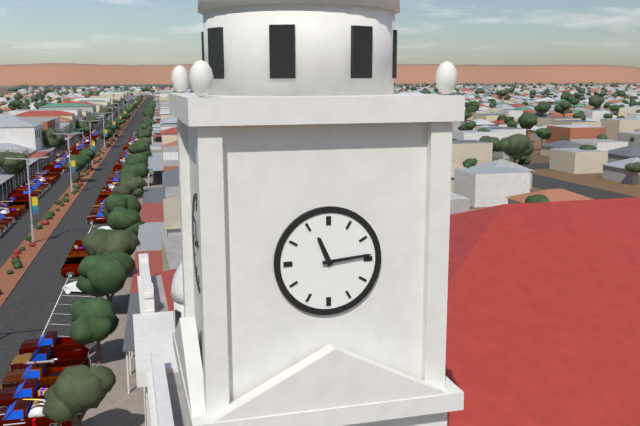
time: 11:14
